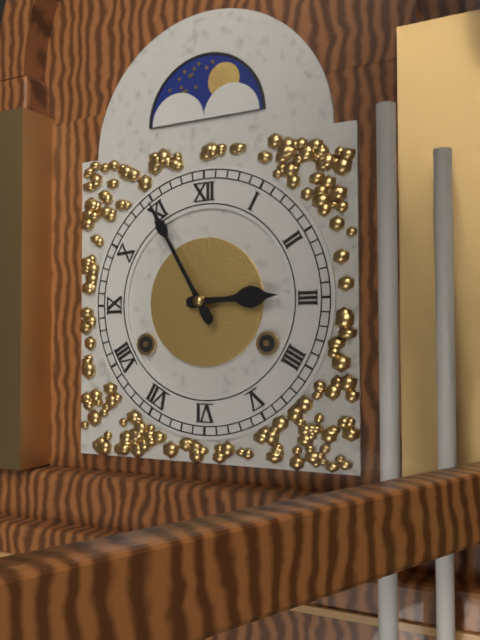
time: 2:55
